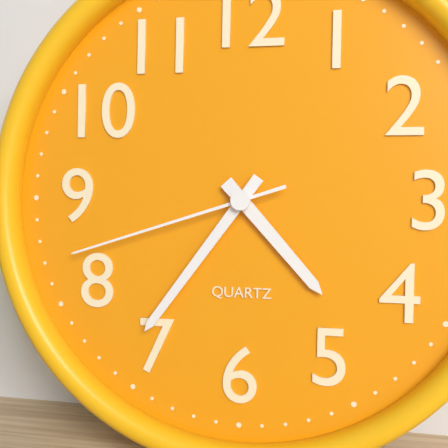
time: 4:36:42
